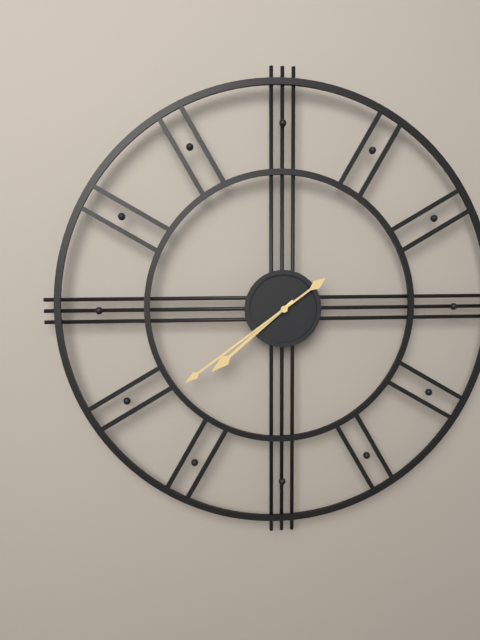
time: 7:39
